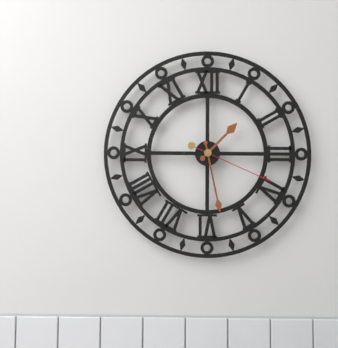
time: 1:28:19
